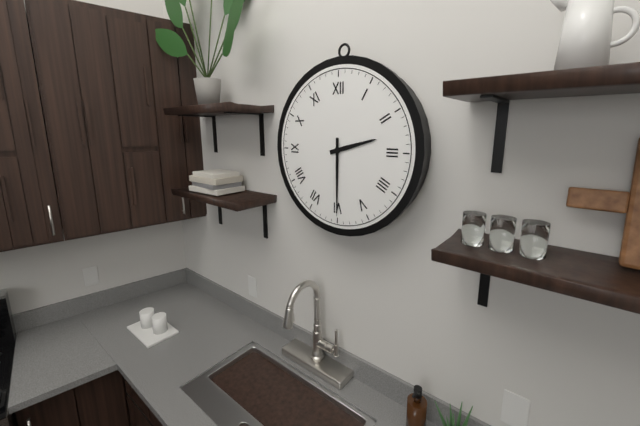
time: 2:30
